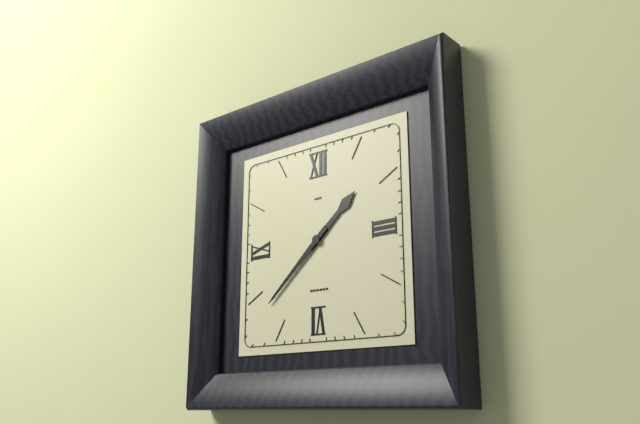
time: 1:38
